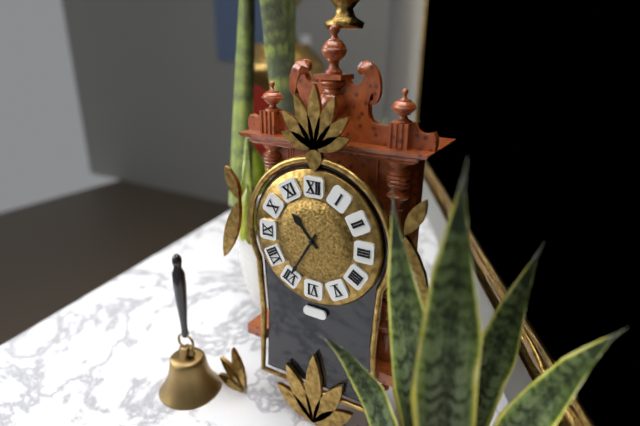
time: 10:35
